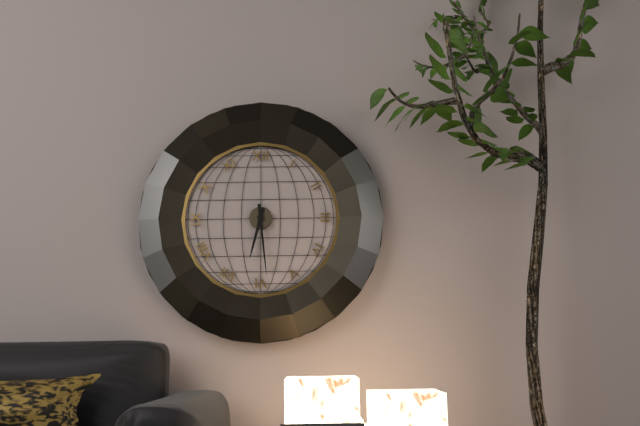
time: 6:29
